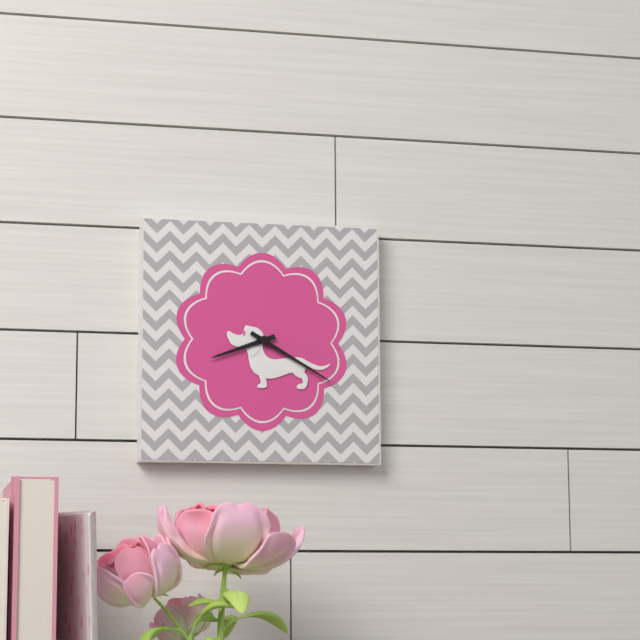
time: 8:20
